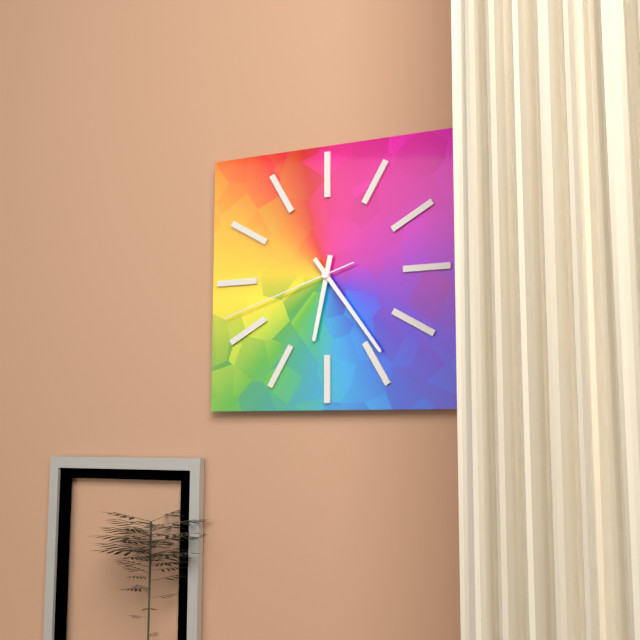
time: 6:24:42
